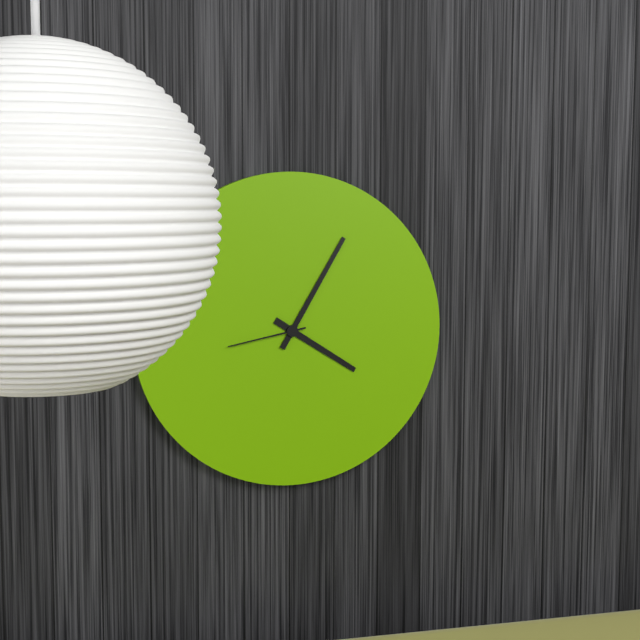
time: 4:05:43
